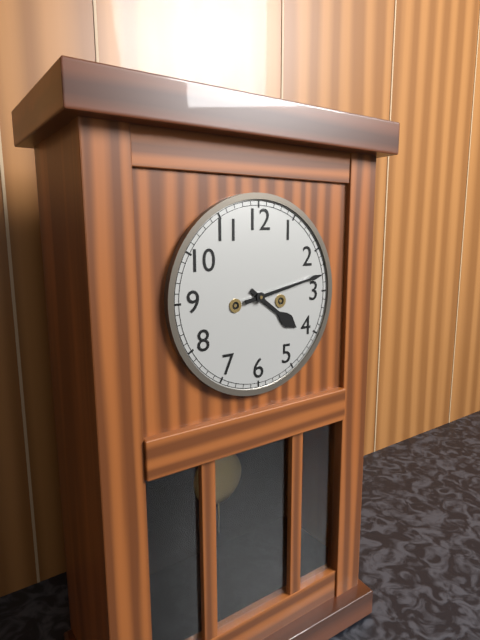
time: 4:13
